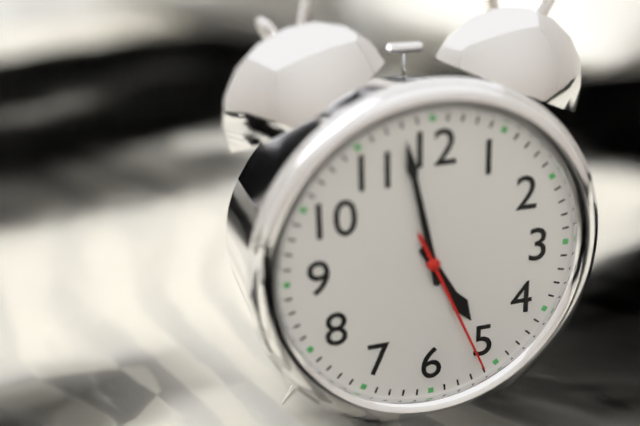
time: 4:58:26
